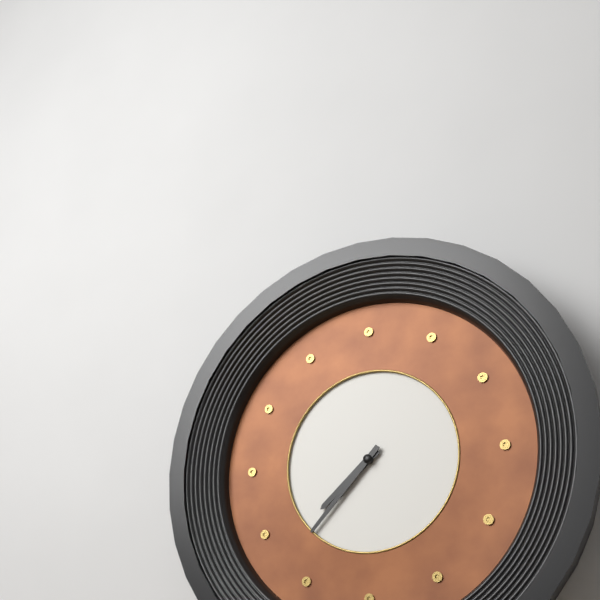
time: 7:37
